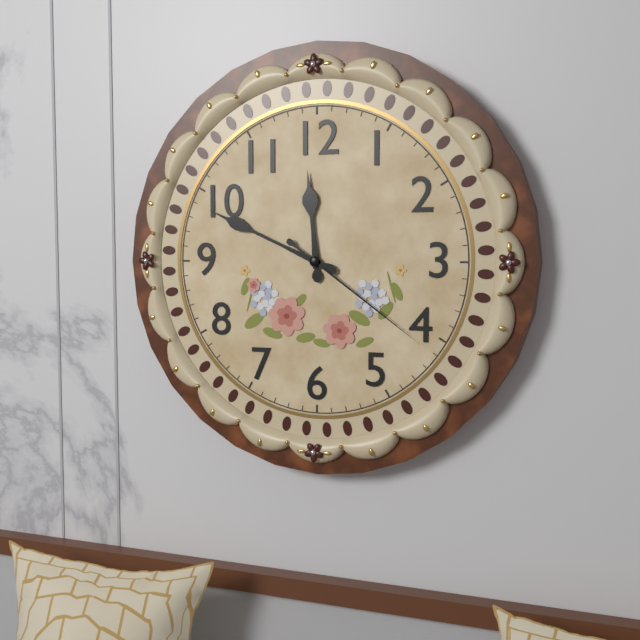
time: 11:49:21
